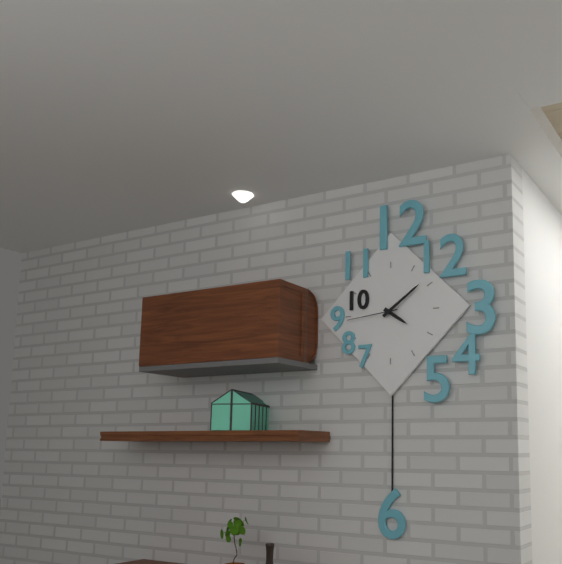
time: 4:09:44
